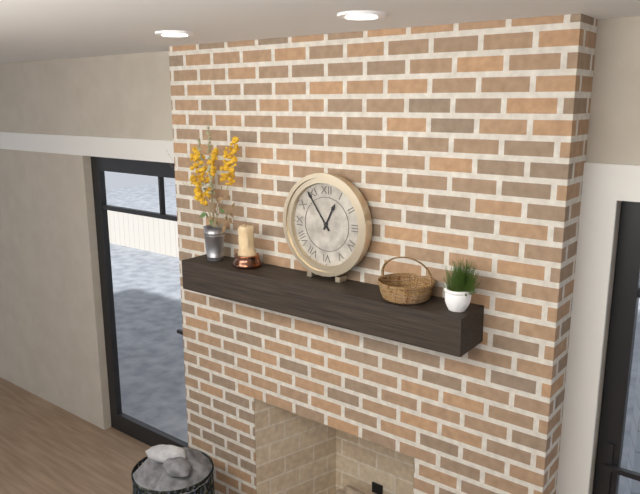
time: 12:54
